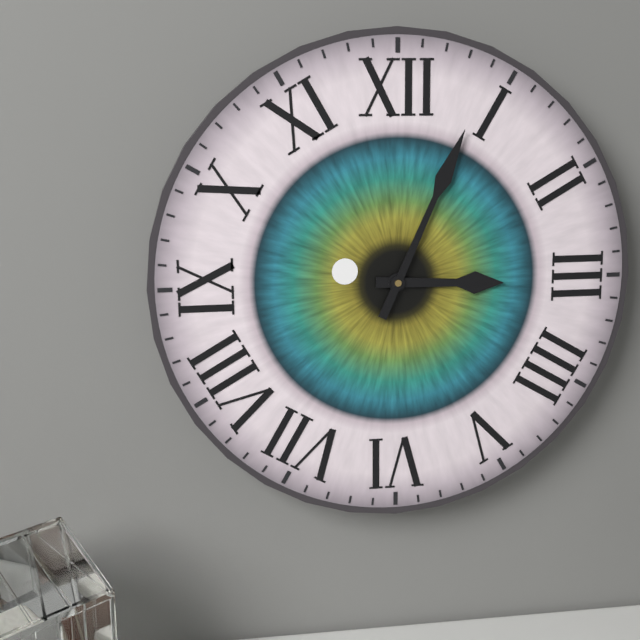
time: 3:04
